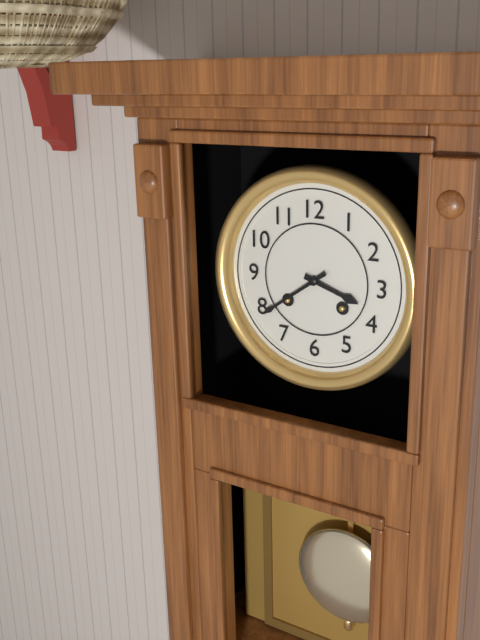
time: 3:39
